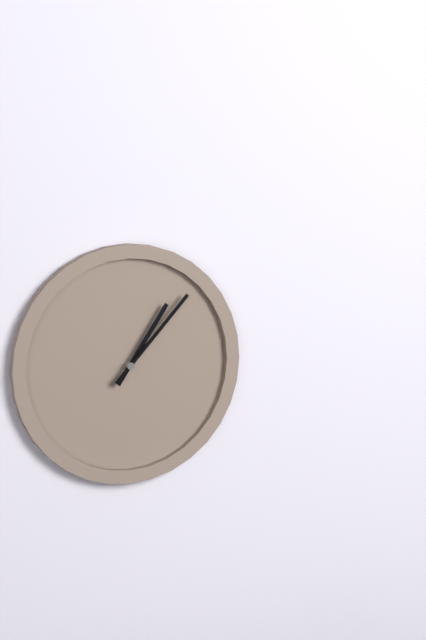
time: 1:07
